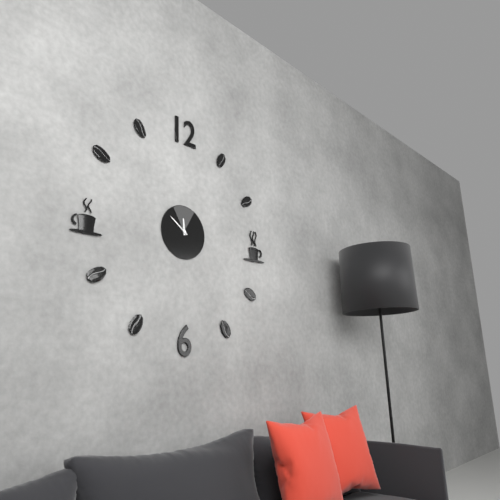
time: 11:51
